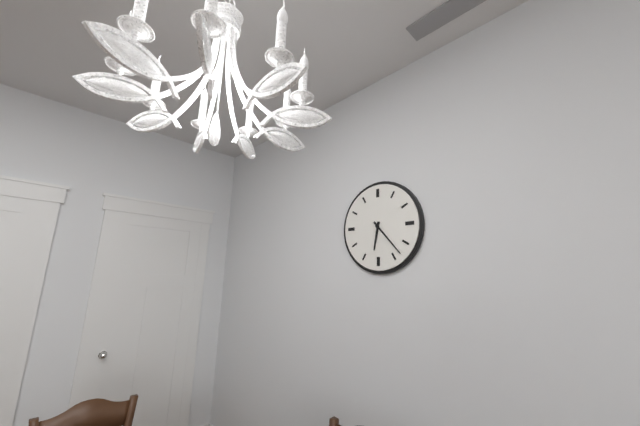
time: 6:23
